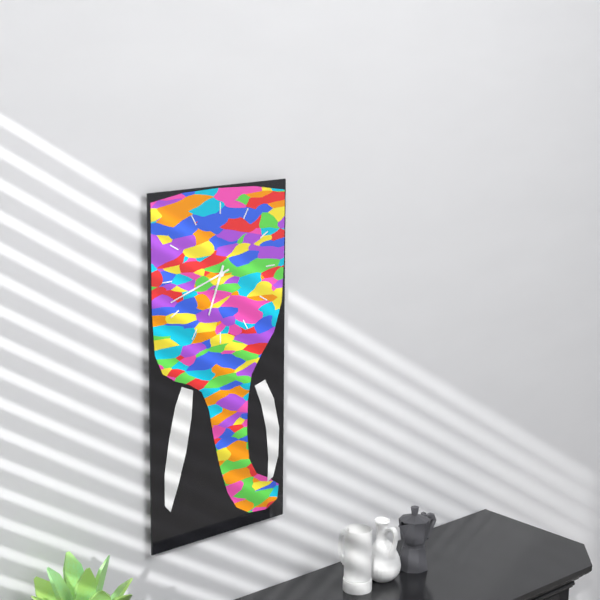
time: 6:42
